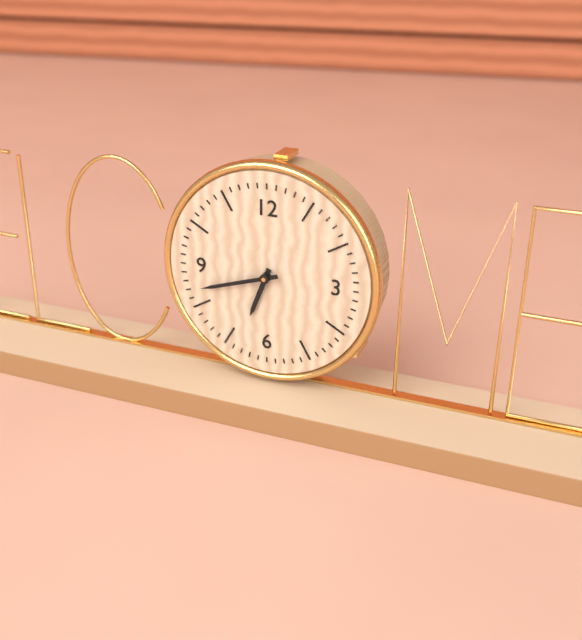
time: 6:42
